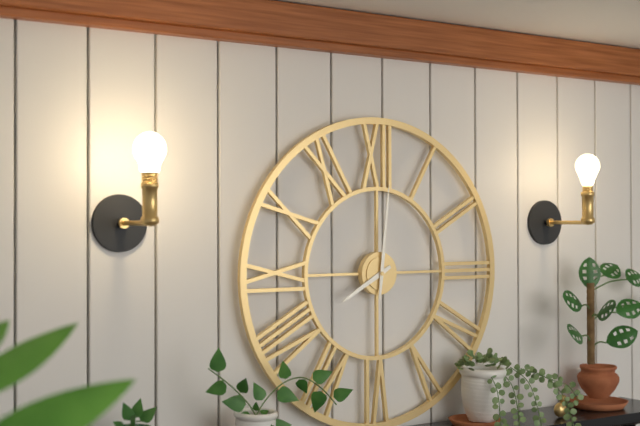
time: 8:01
